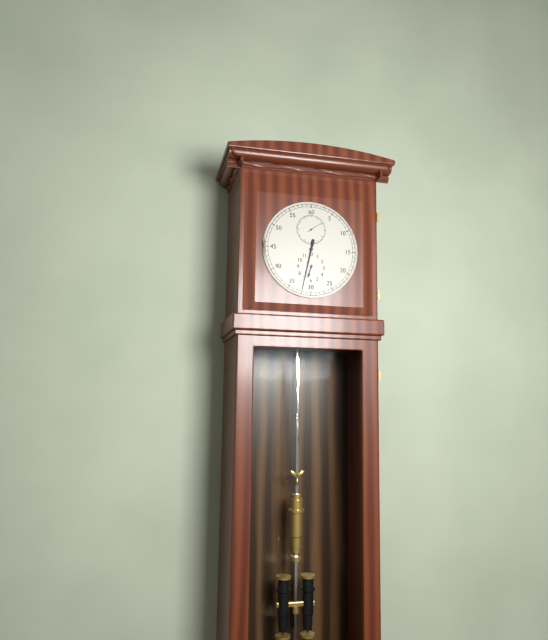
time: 6:32
